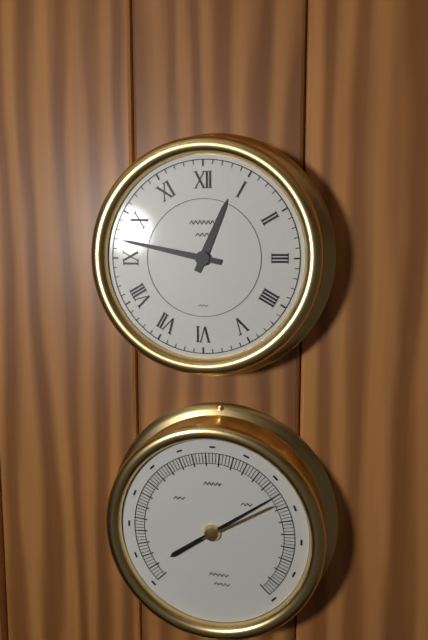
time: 12:47
